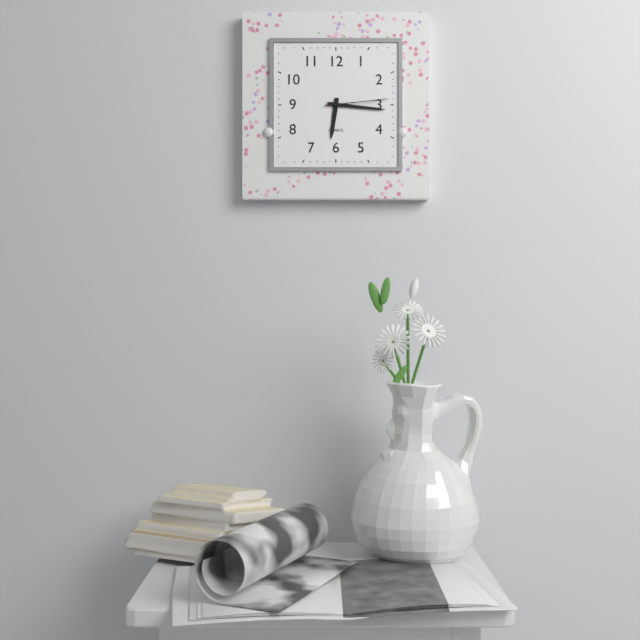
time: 6:16:14
